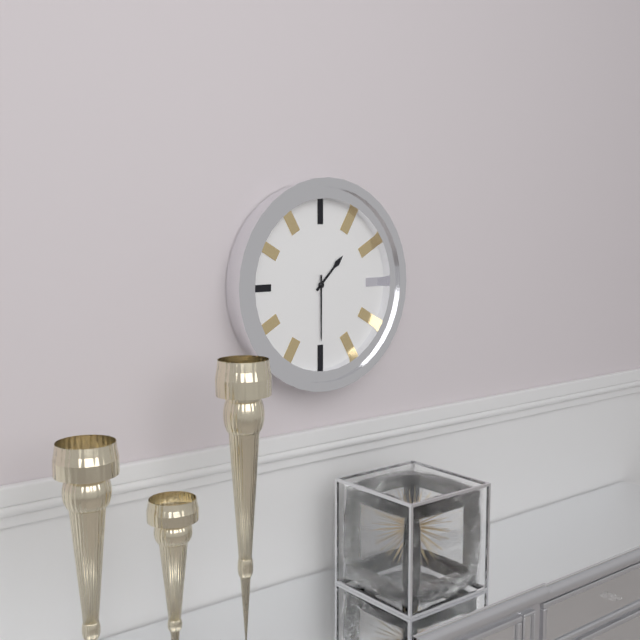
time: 1:30
